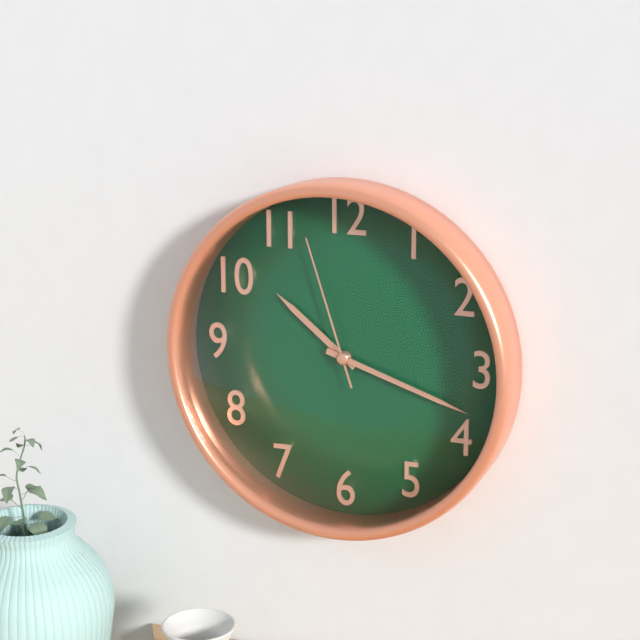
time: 10:18:57
